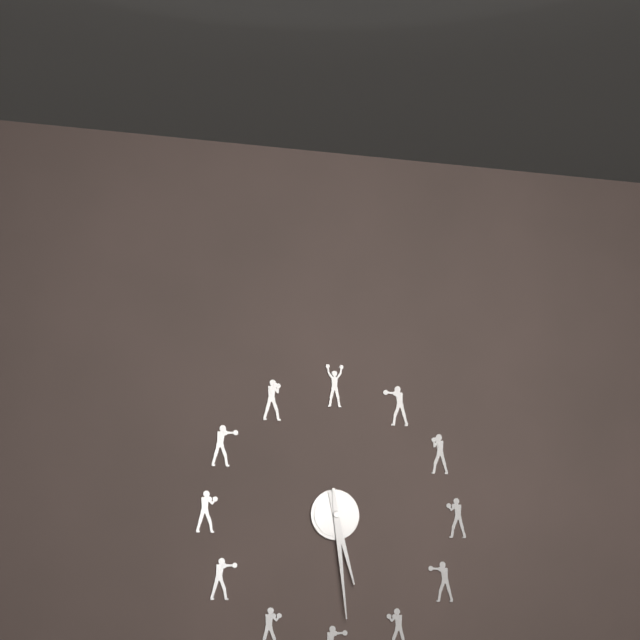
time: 5:29
